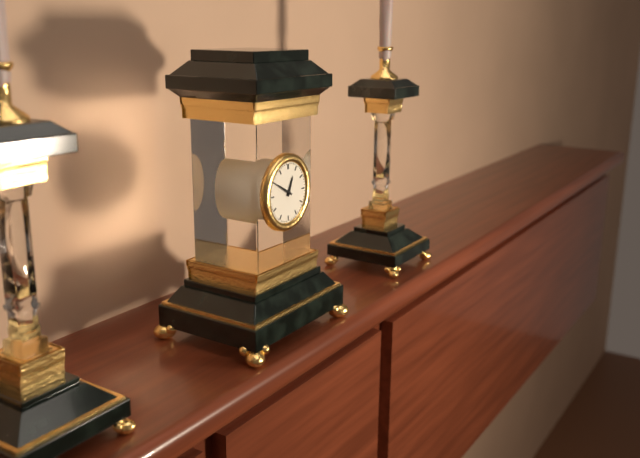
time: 12:50
